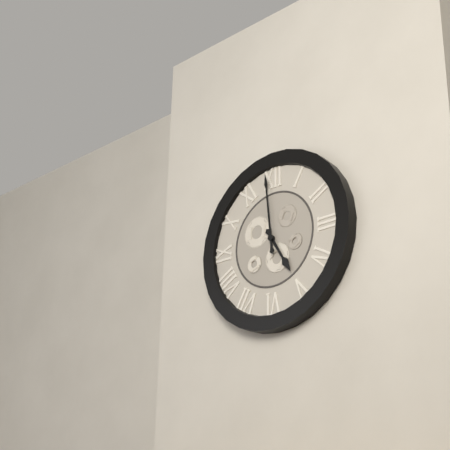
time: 4:59
